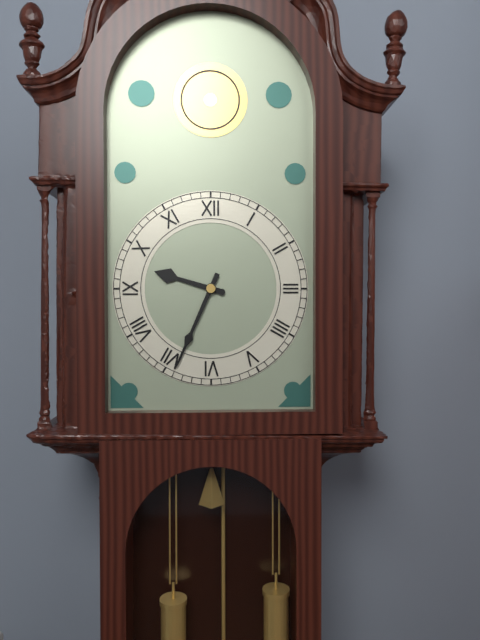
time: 9:34
